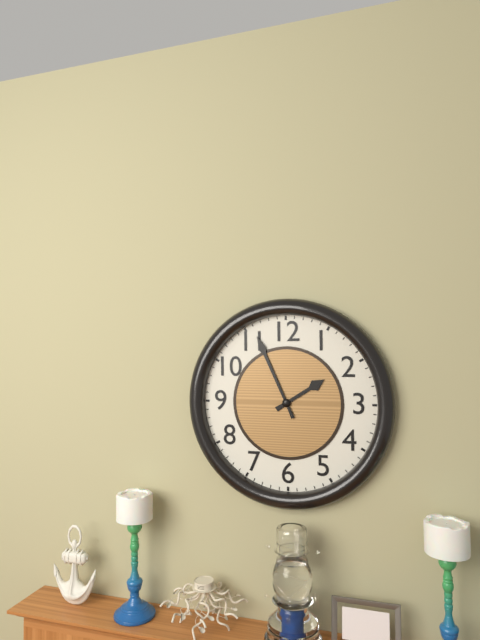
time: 1:56
